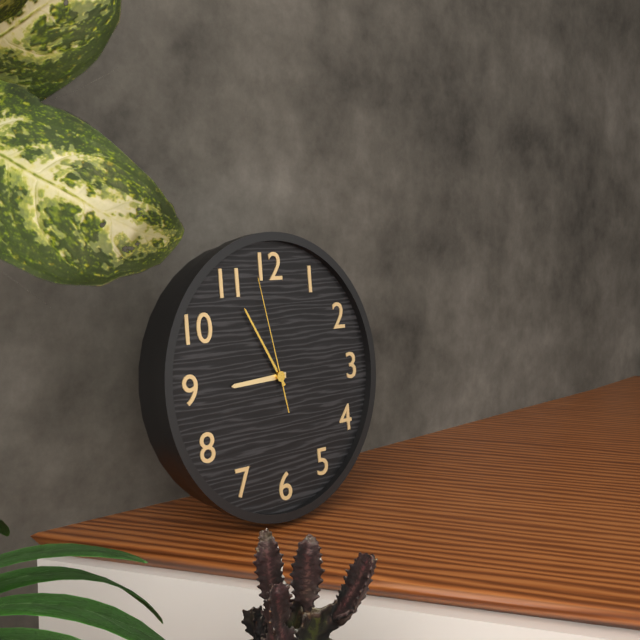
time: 8:55:58
